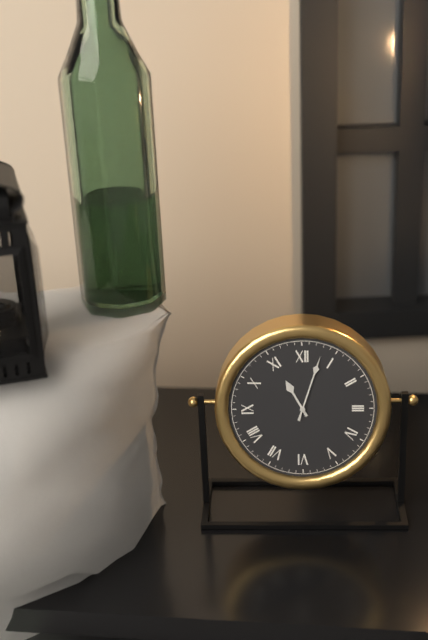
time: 11:03
